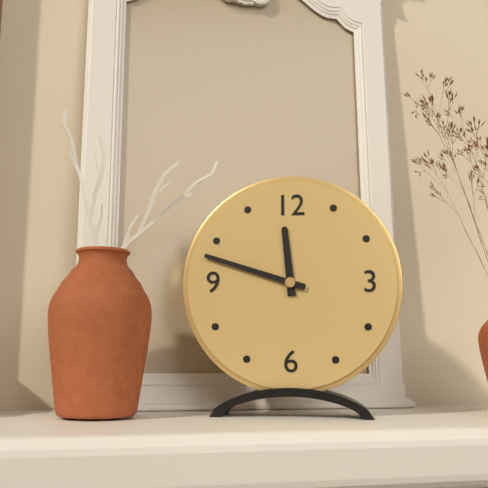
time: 11:48
